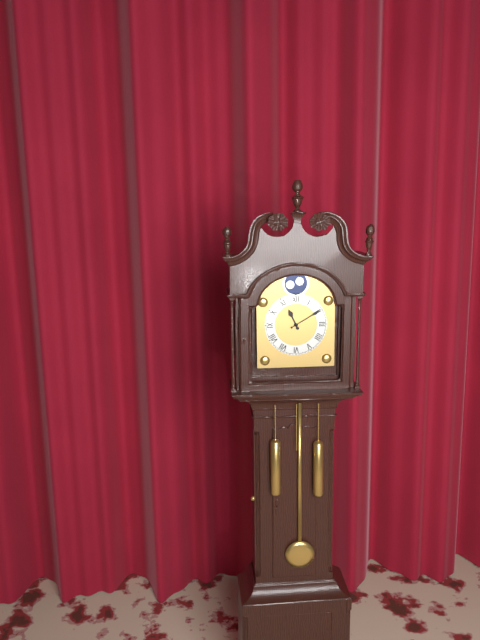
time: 11:10
